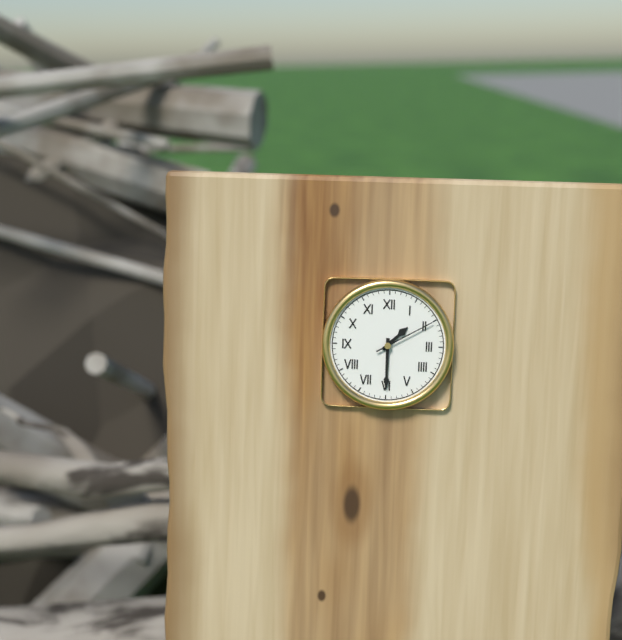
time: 1:30:10
